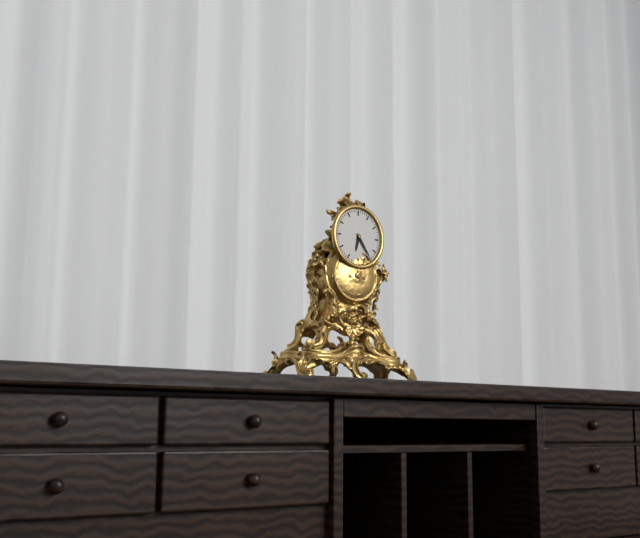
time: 6:24
